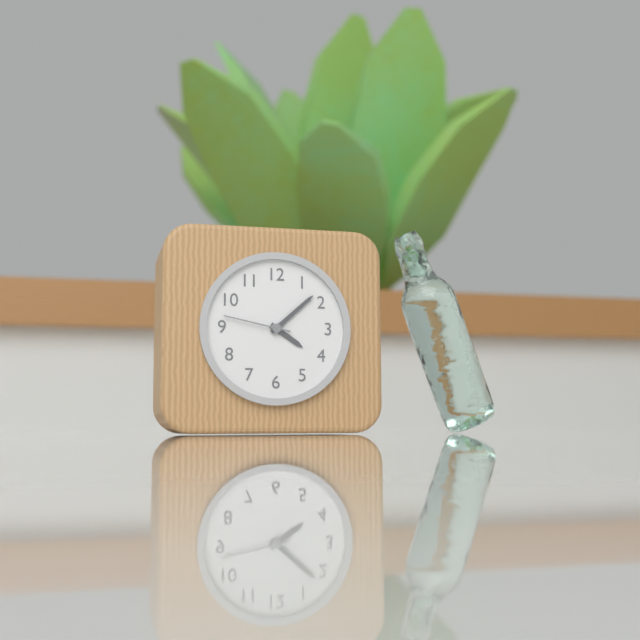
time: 4:08:47
